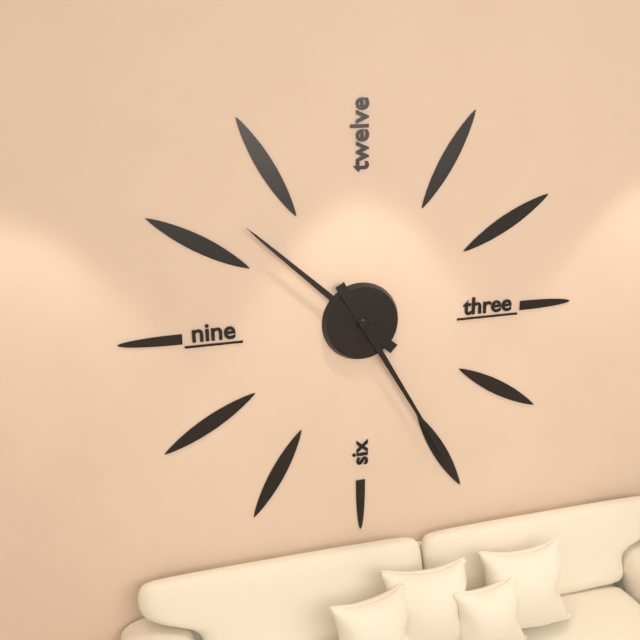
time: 10:25
